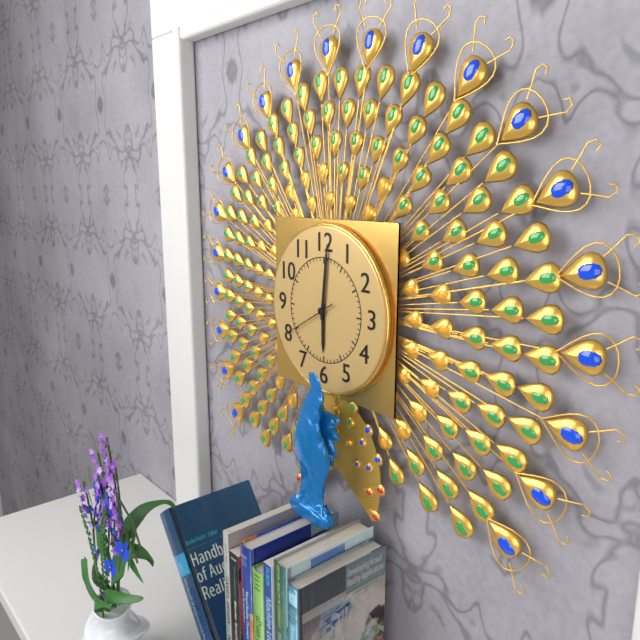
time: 6:01:40
